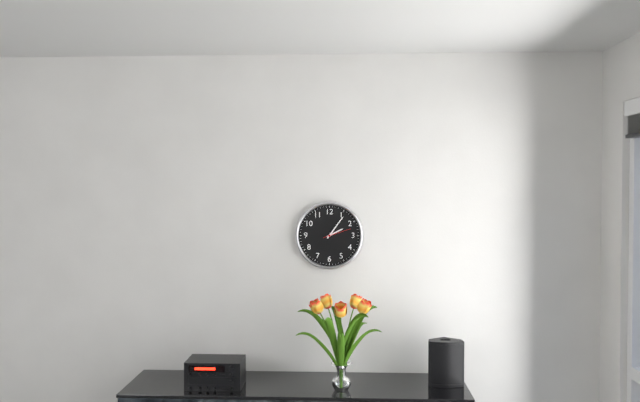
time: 2:06
